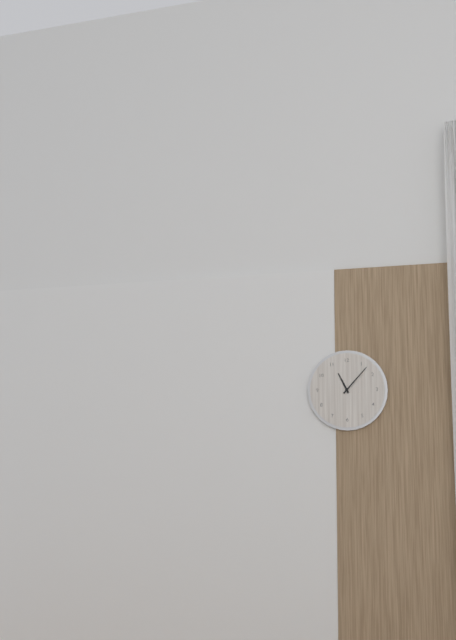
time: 11:07
